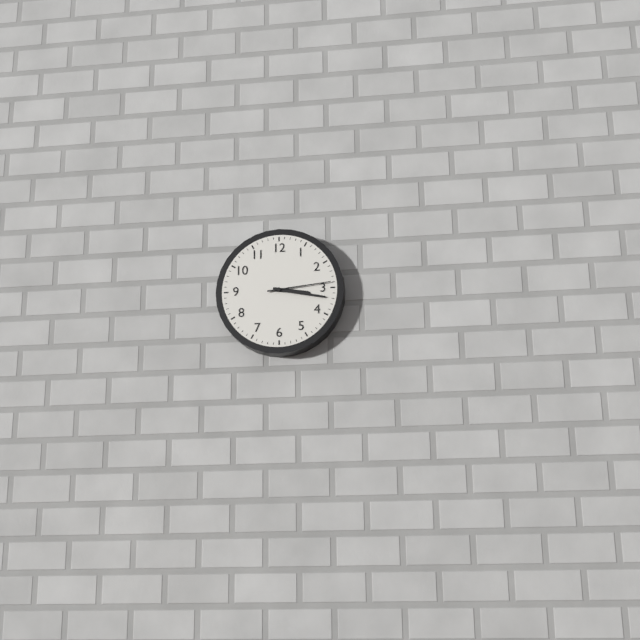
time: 3:17:14
